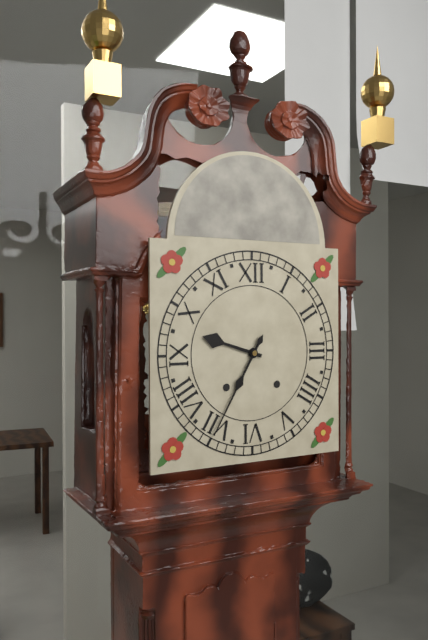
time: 9:35
